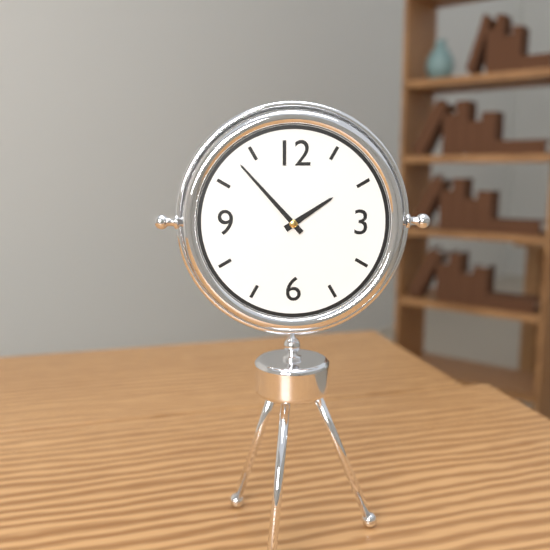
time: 1:53
